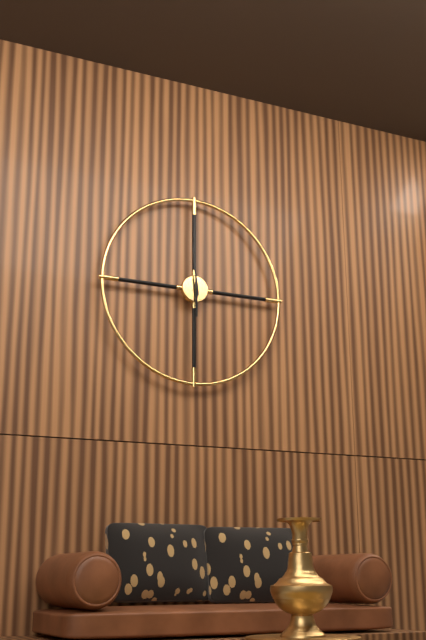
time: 5:59
